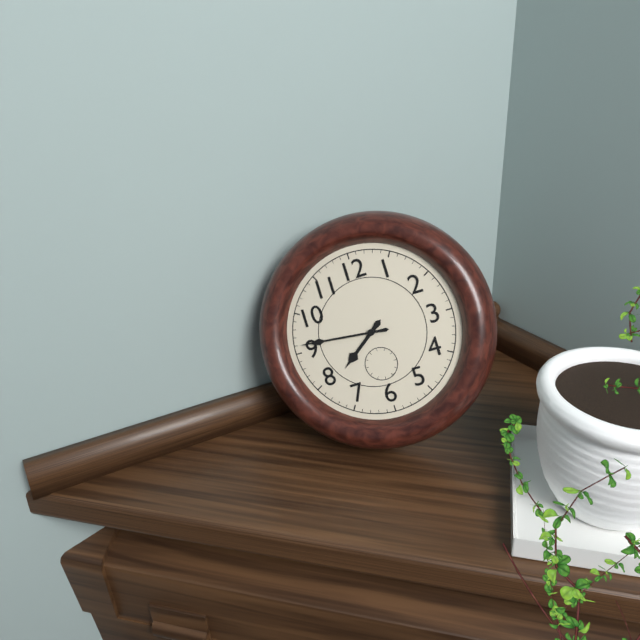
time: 7:46
